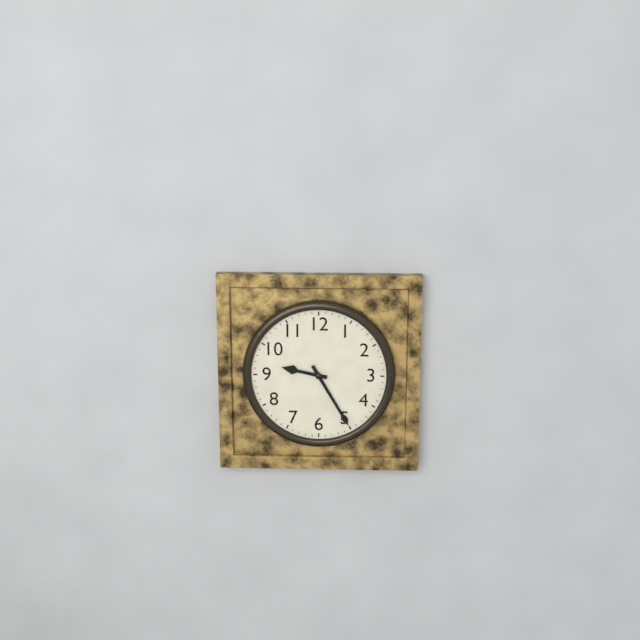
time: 9:25
